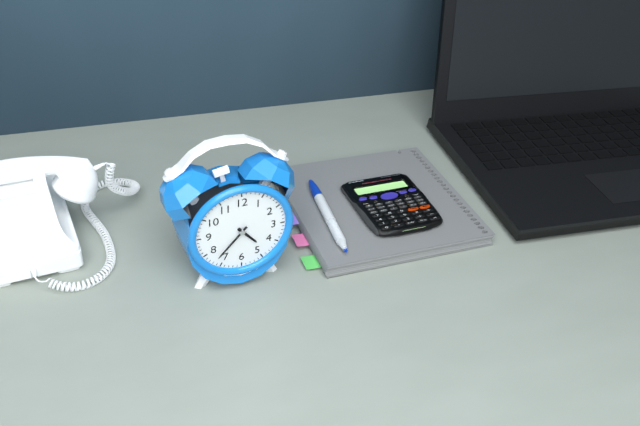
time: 4:37
